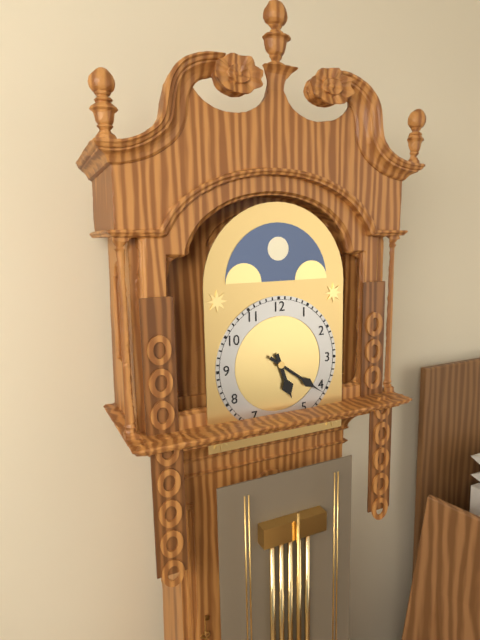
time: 5:21
